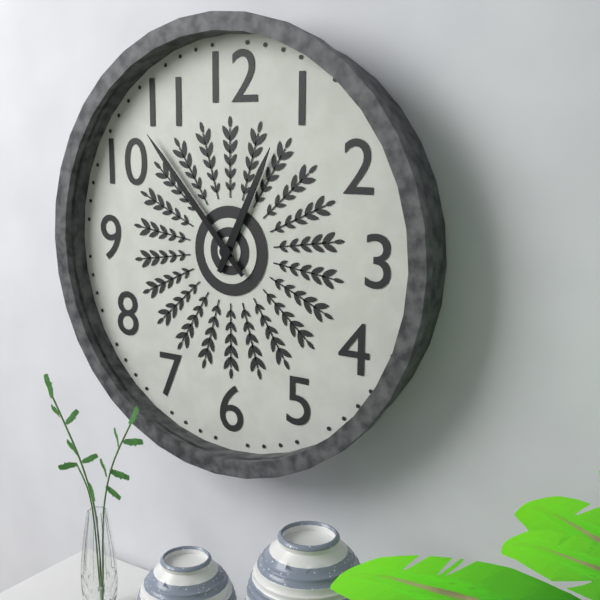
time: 12:53
